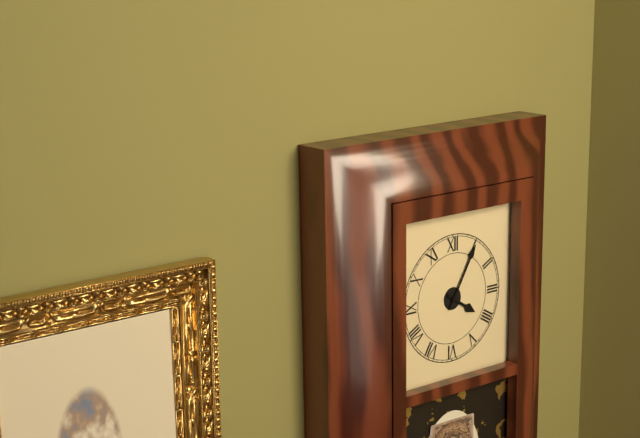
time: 4:05
